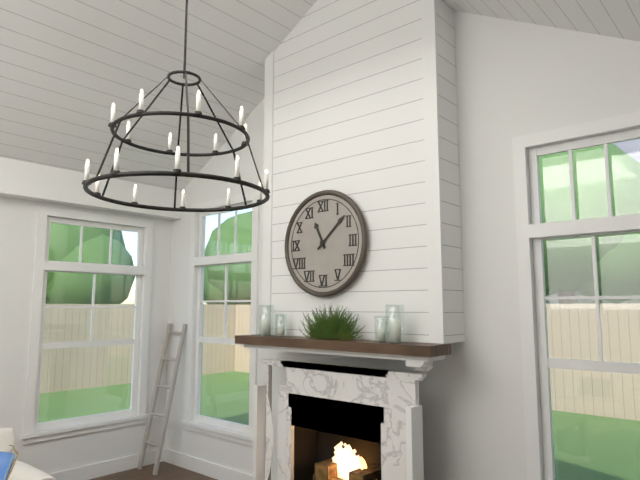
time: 11:08
